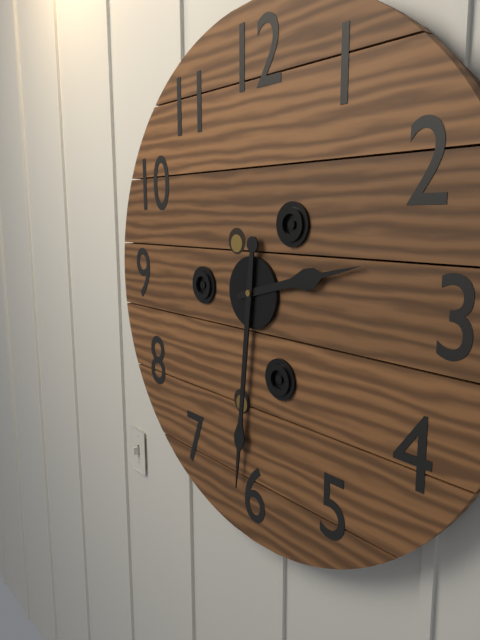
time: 2:31
